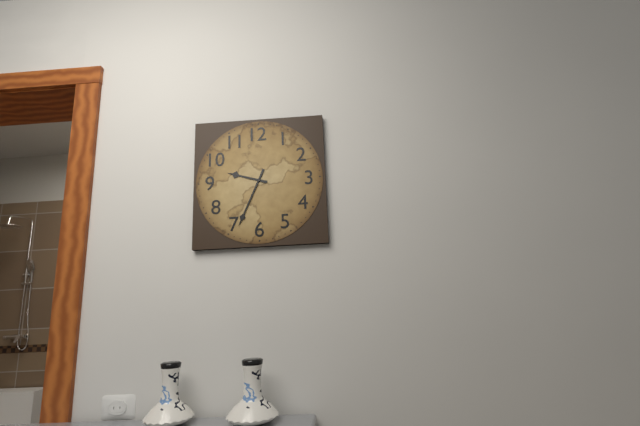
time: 9:34
